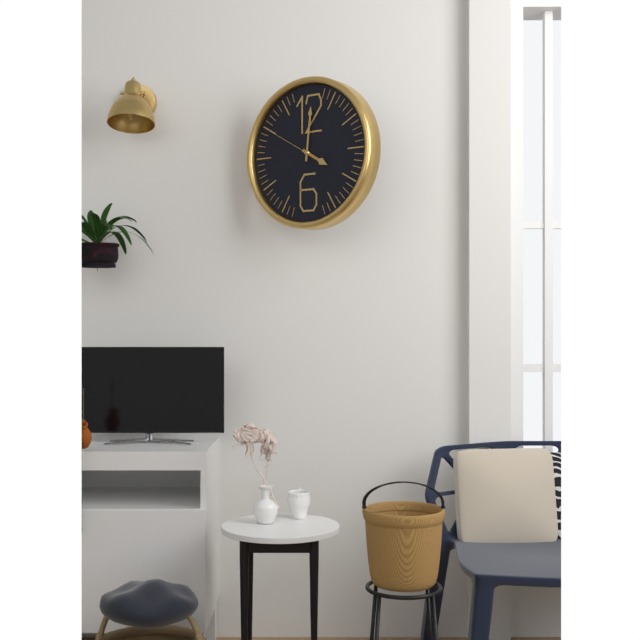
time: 4:01:50
